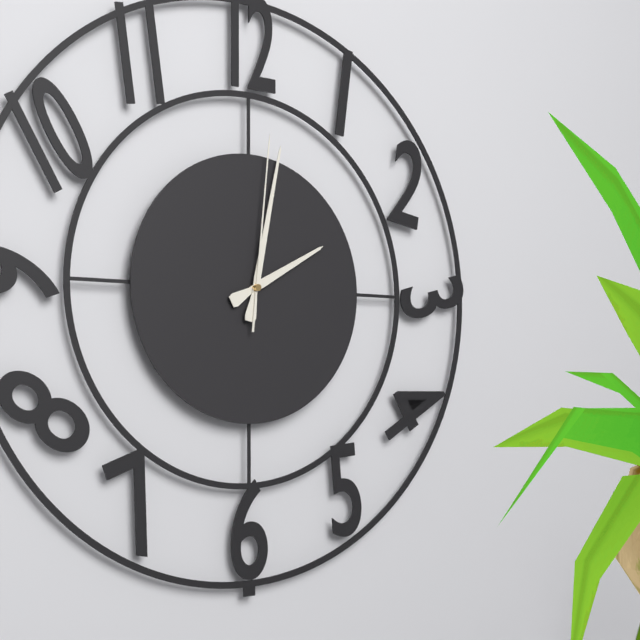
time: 2:02:01
